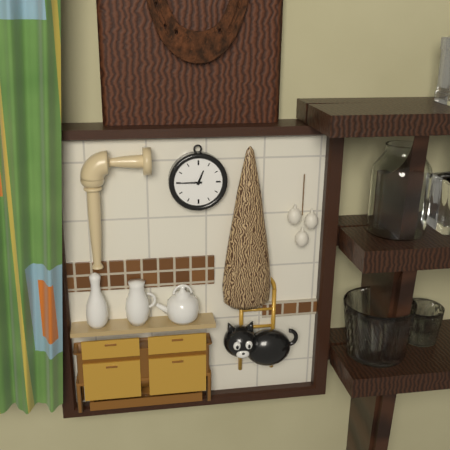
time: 12:45
